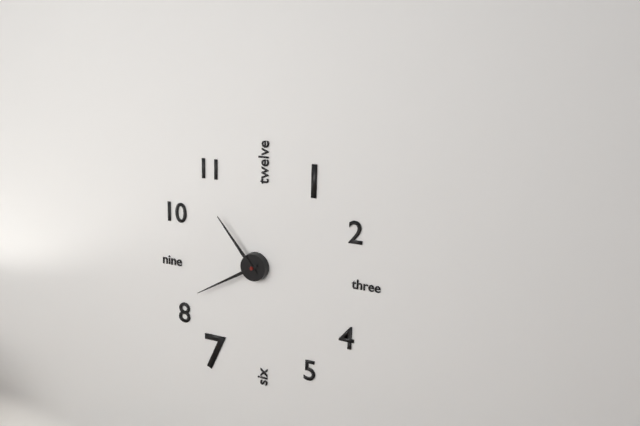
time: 10:40
